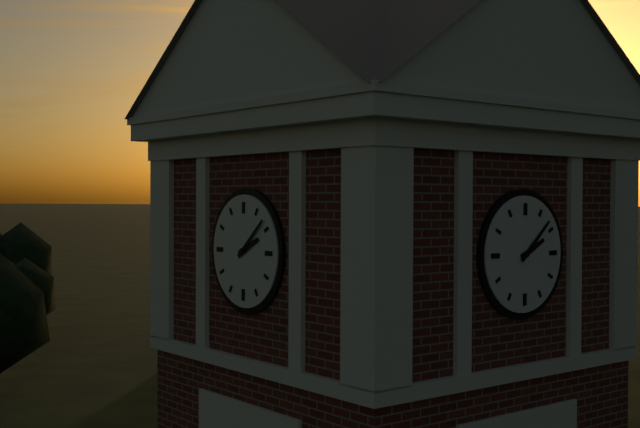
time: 2:08
